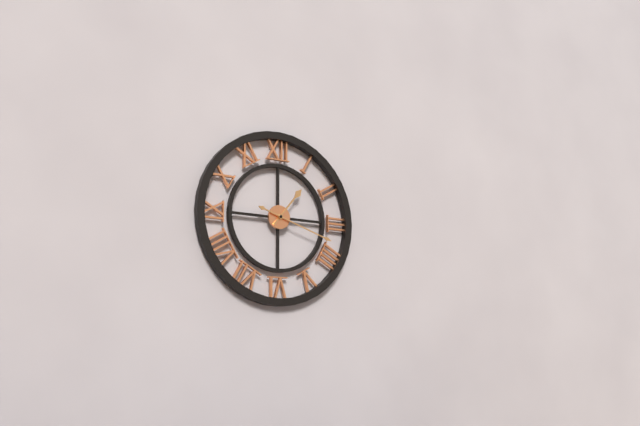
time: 1:18
